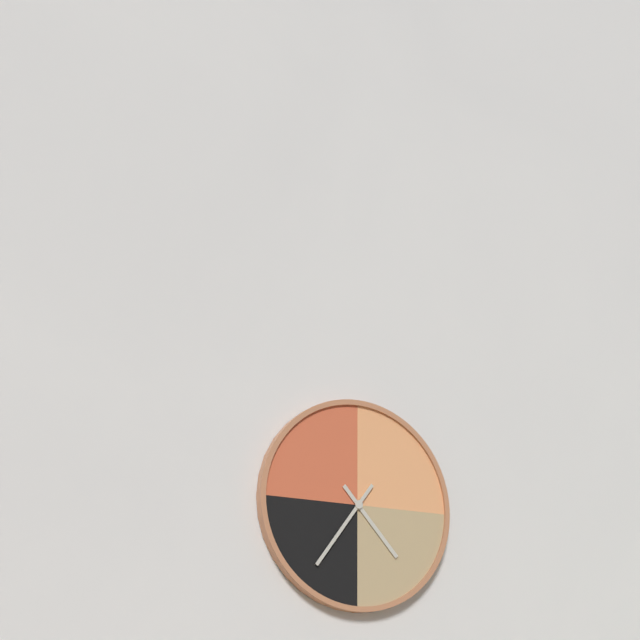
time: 4:36
